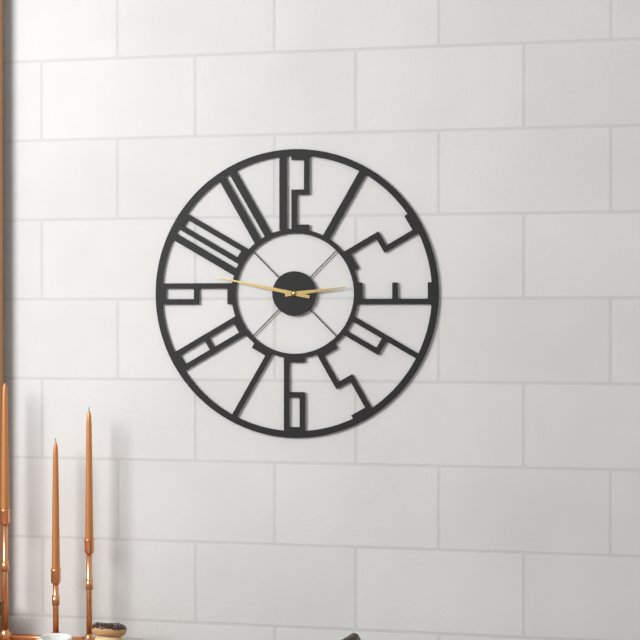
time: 2:47
